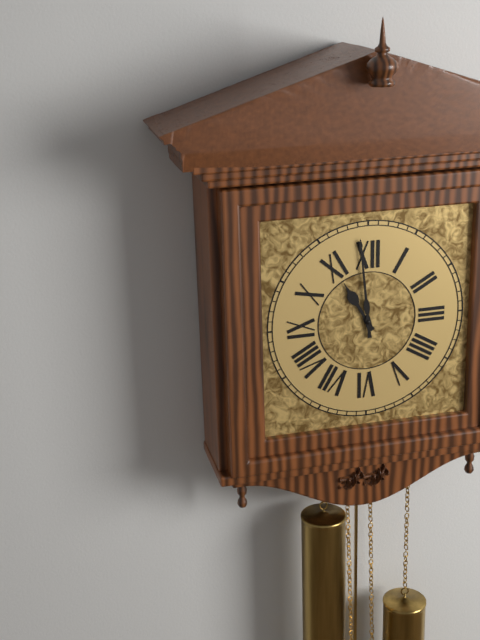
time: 10:59
